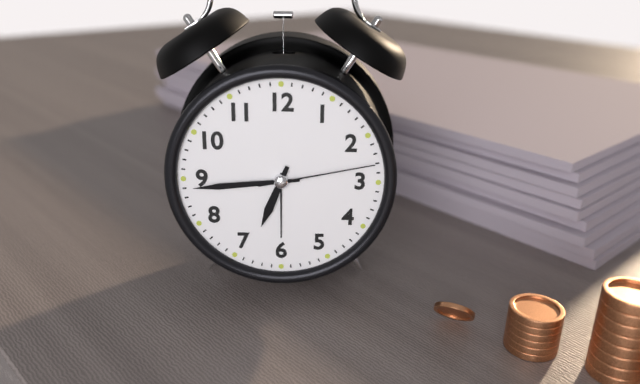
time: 6:44:13
